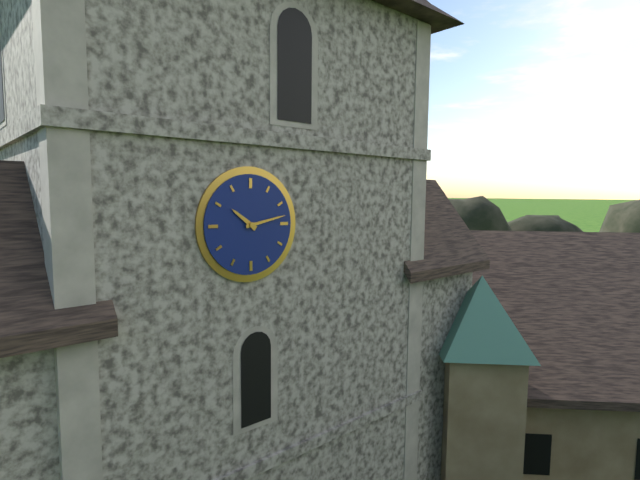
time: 10:13
